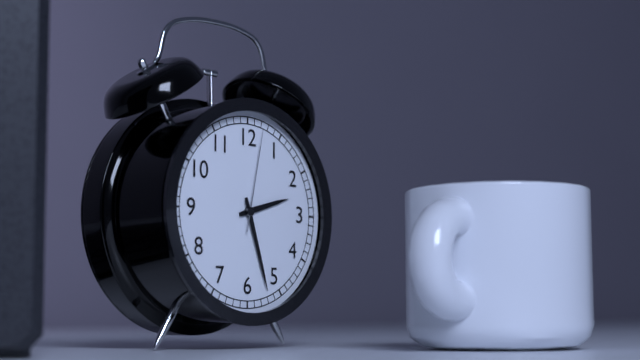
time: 2:27:02
